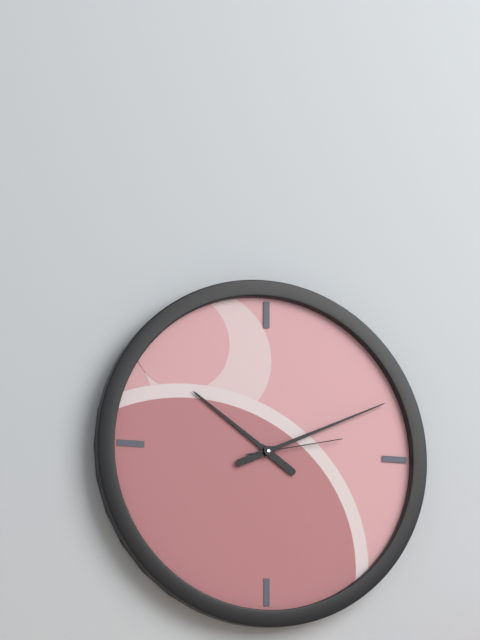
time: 10:11:13
